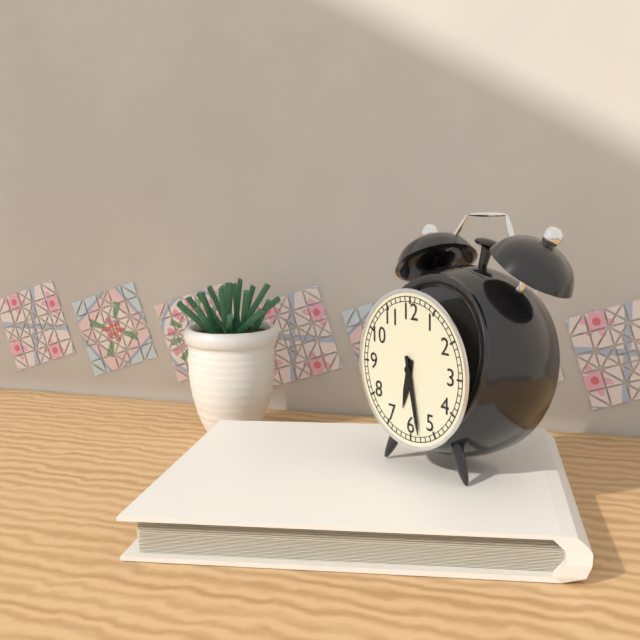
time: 6:28
